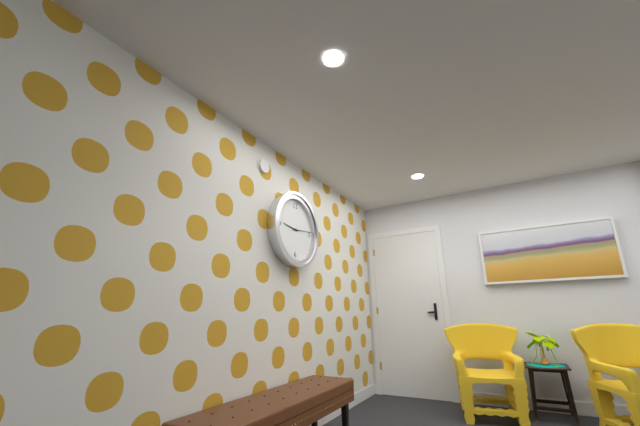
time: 9:14
